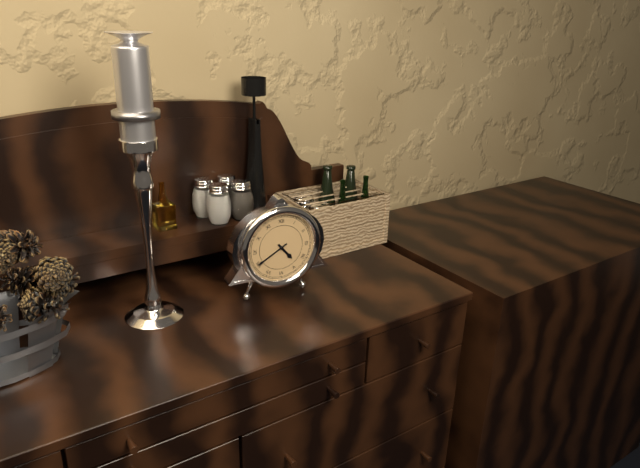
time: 4:40
